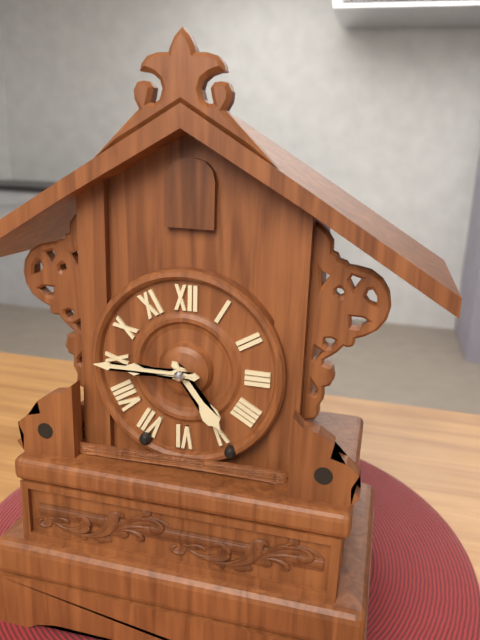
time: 4:45
